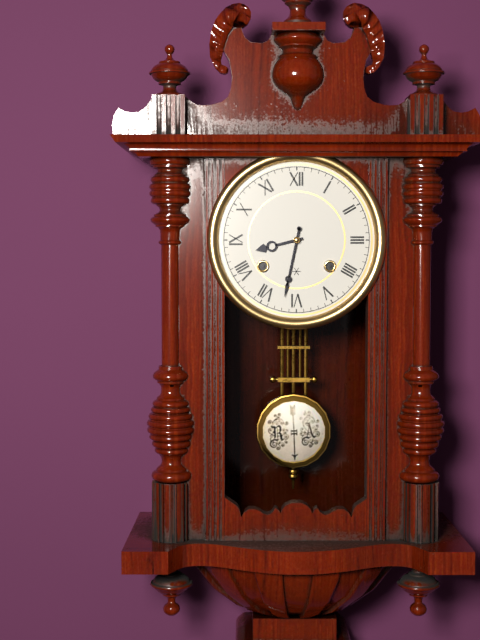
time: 8:32
